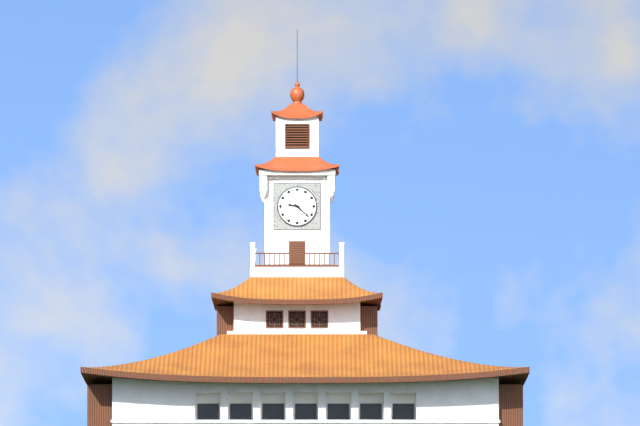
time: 9:22
